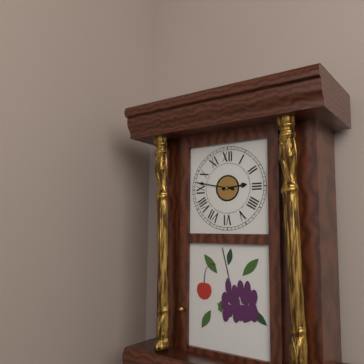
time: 2:47
